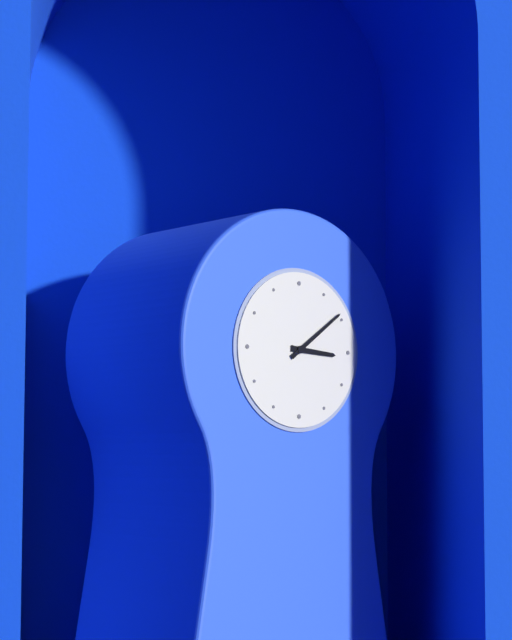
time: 3:09
